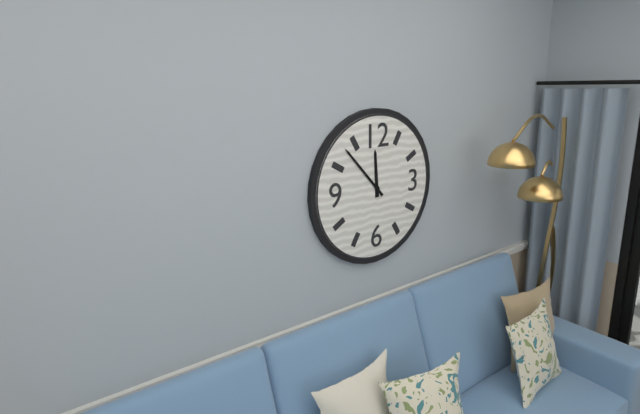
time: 11:53
